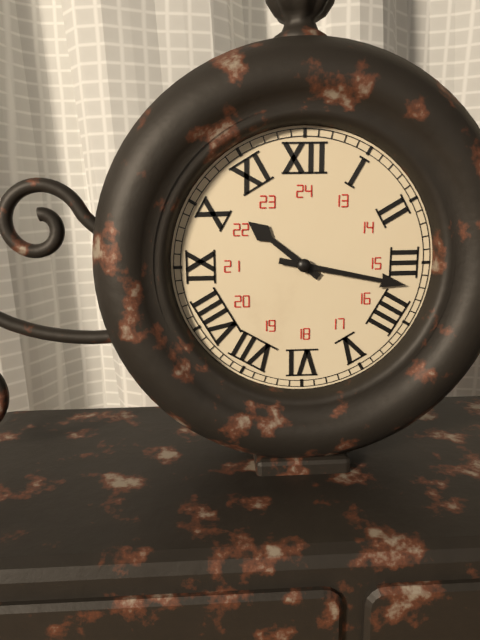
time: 10:17
